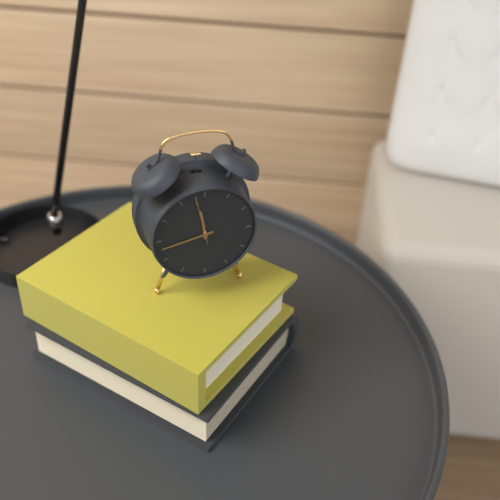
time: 11:43
